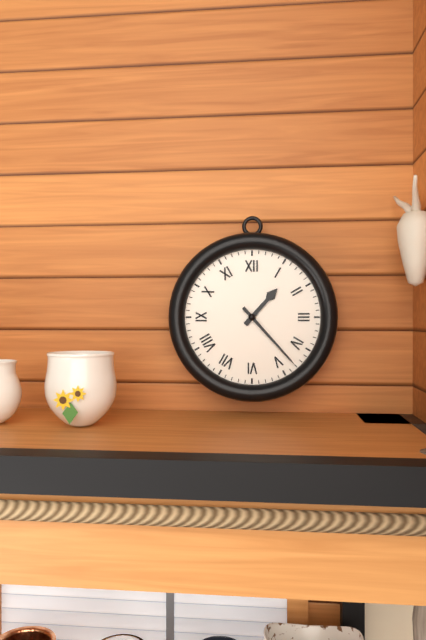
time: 1:23
